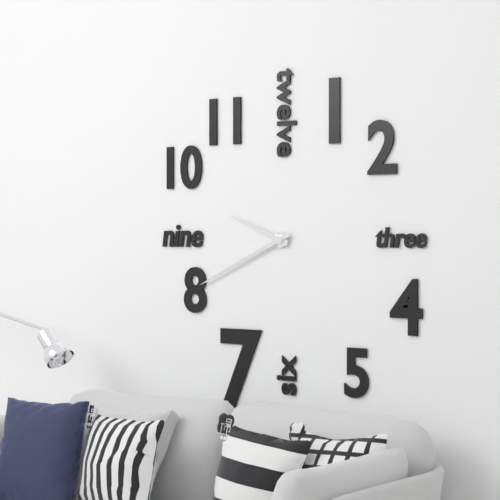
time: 9:41
